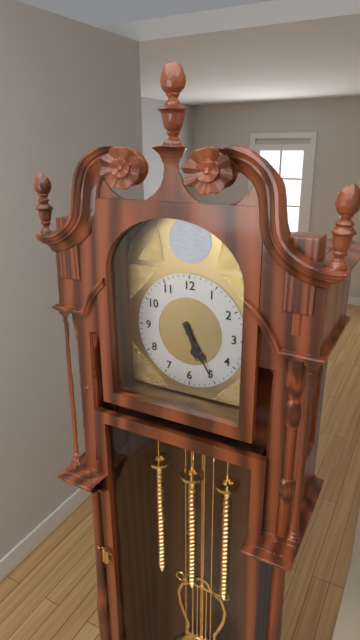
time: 5:25
